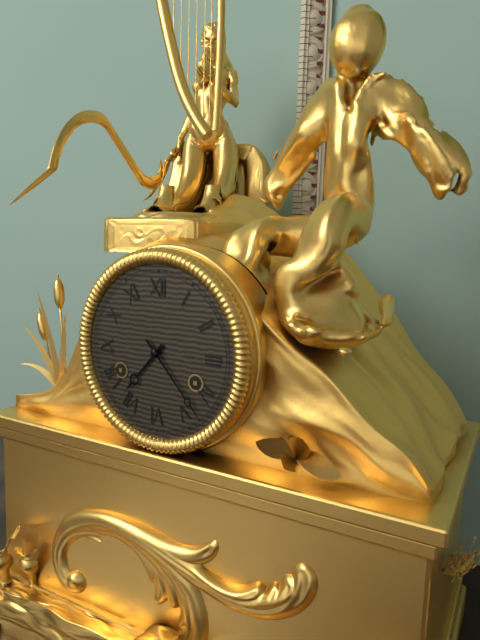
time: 7:23
